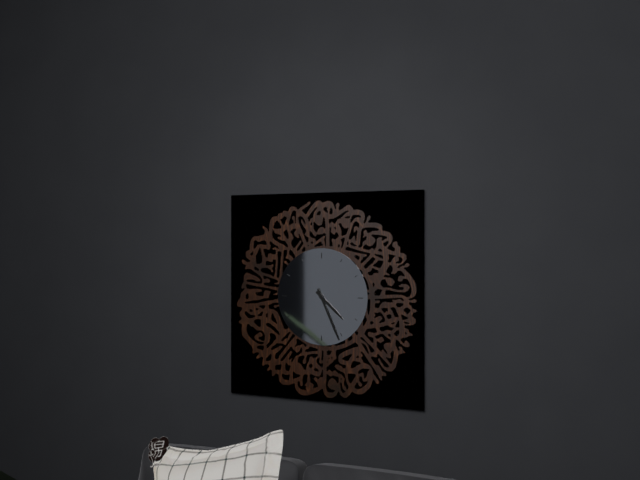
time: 4:26
